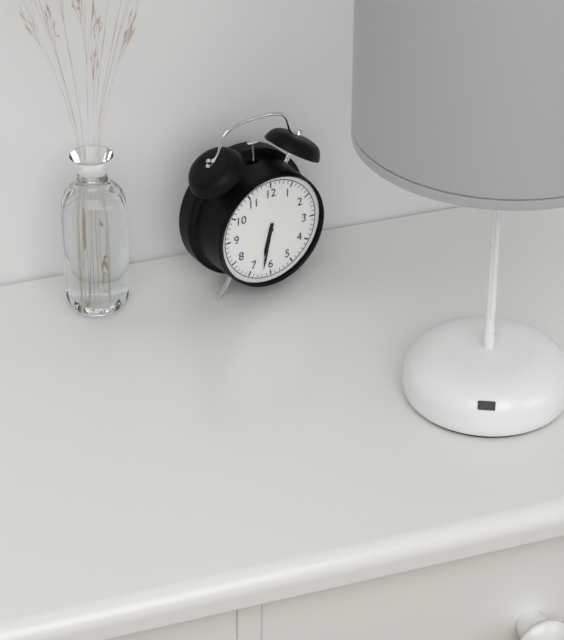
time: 6:32
